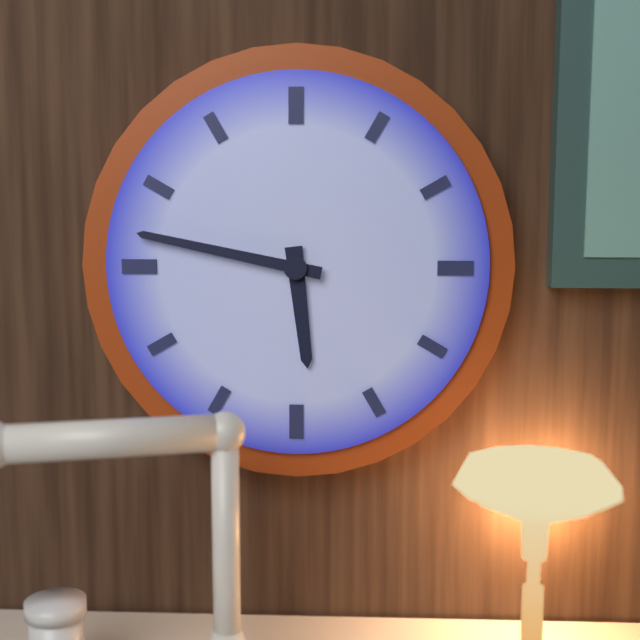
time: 5:47
